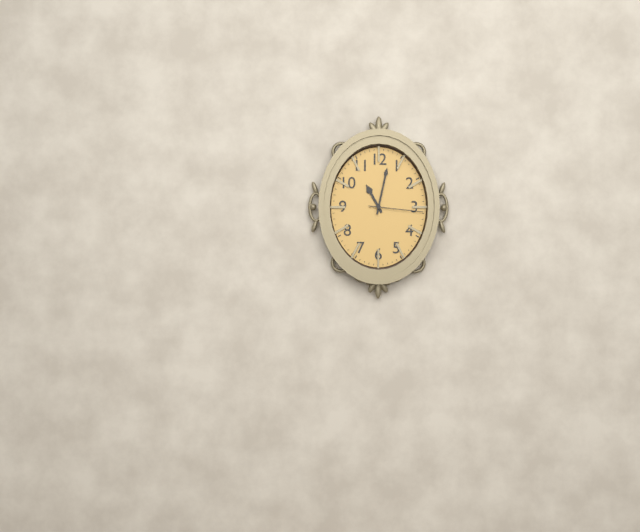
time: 11:02:16
